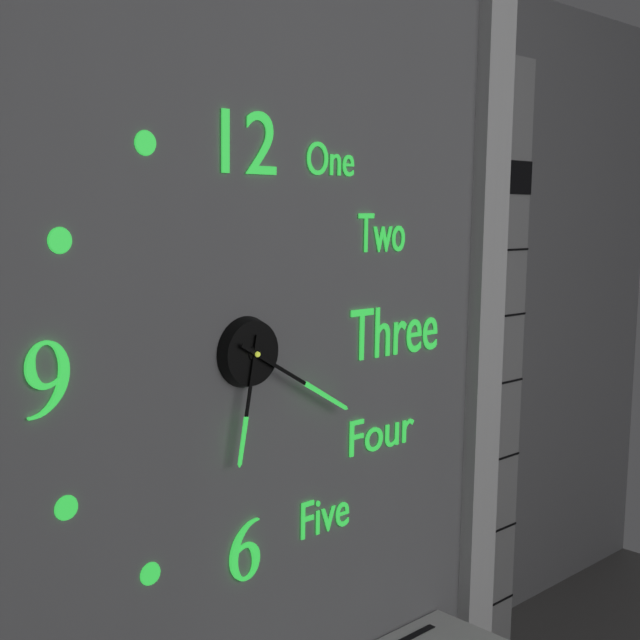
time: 6:20
